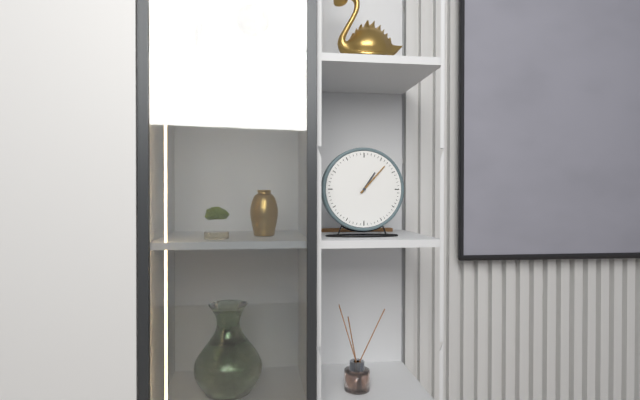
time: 1:07
